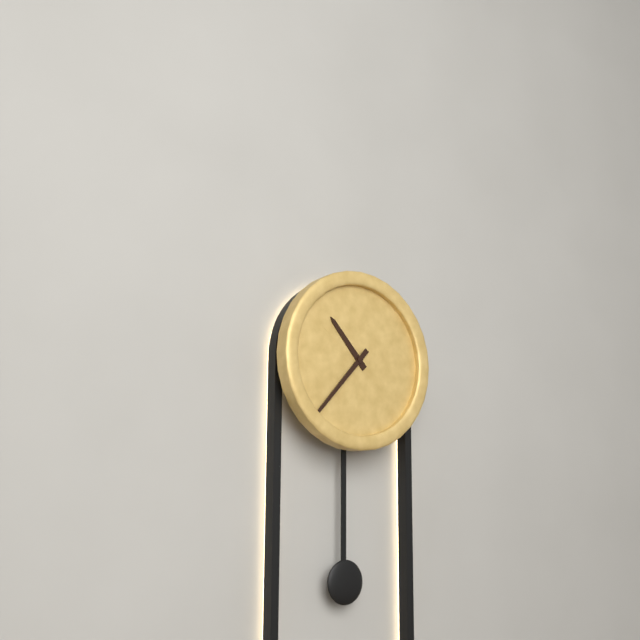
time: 10:37
